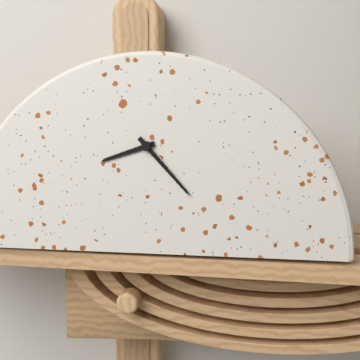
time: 8:23
